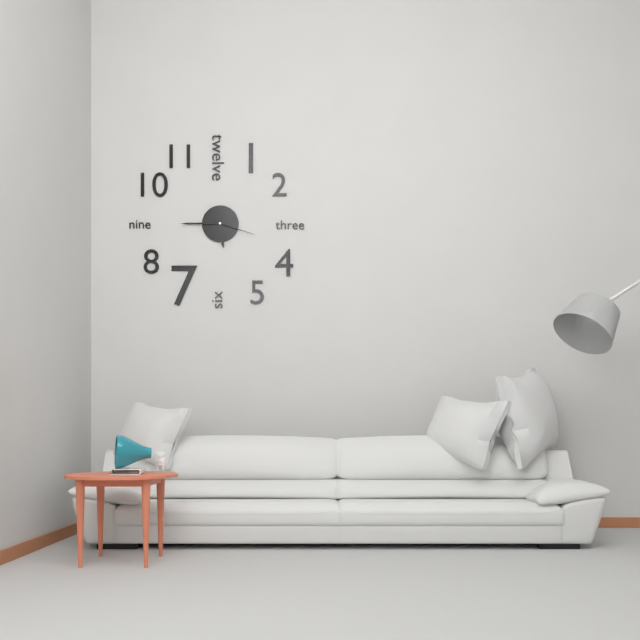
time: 5:45
